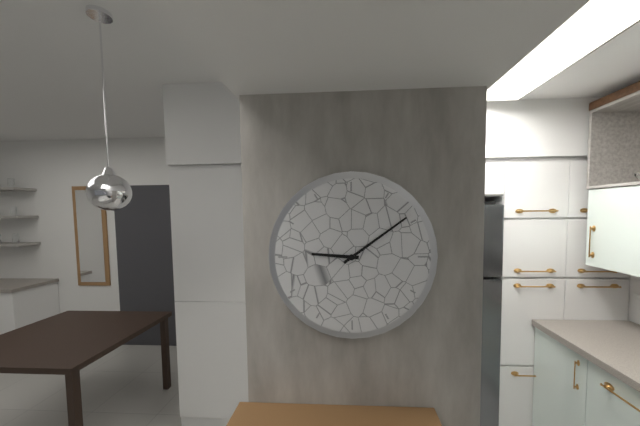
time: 9:09
